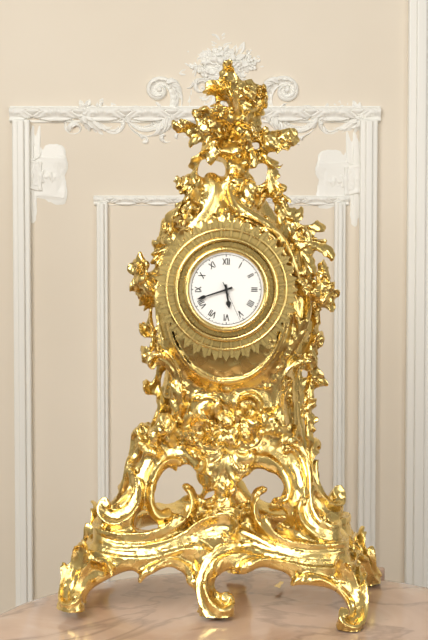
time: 5:42
